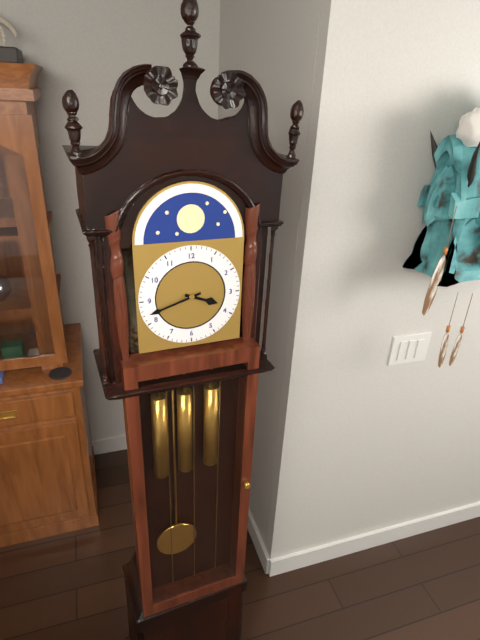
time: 3:42
